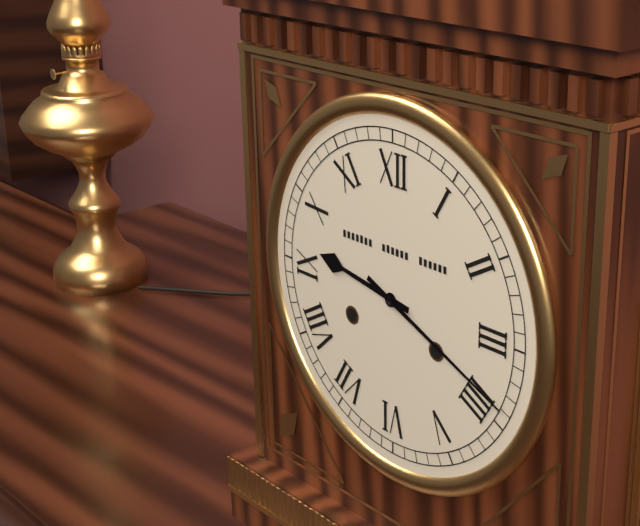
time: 9:19
